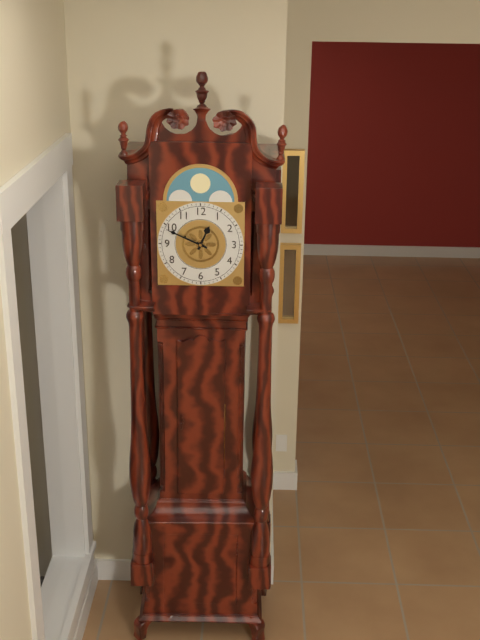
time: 12:49
